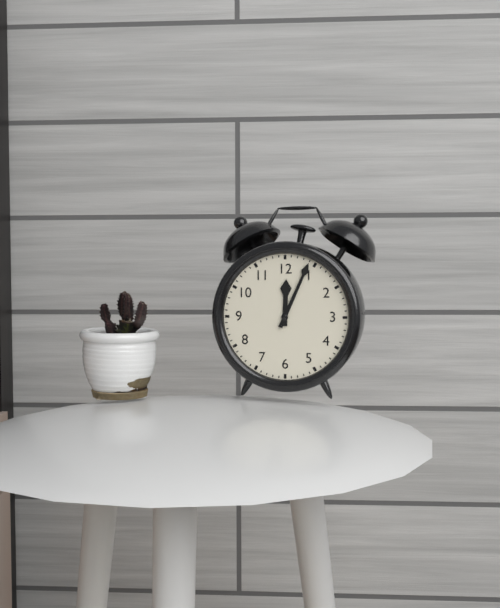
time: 12:04
